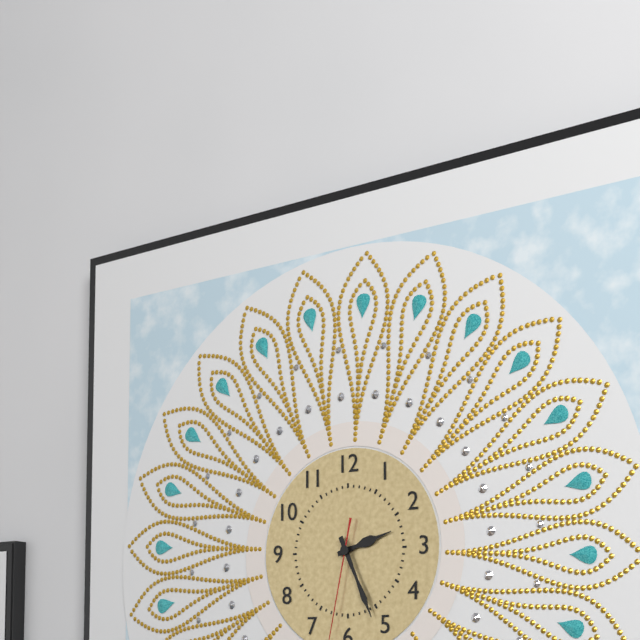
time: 2:26
